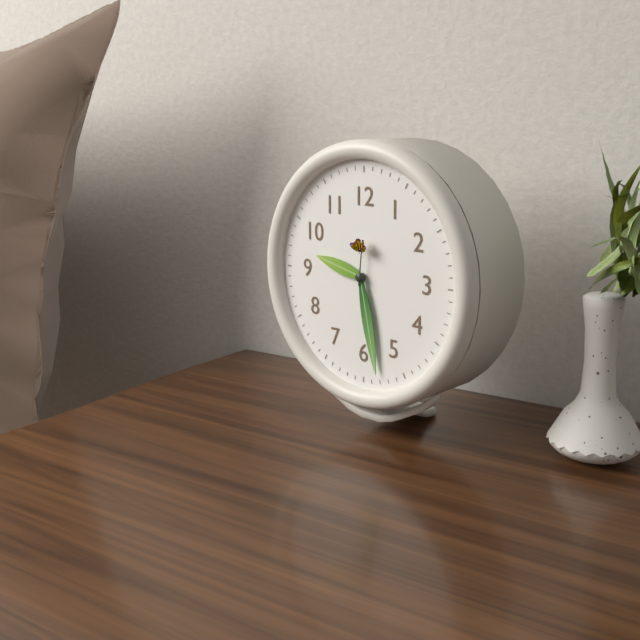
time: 9:28
